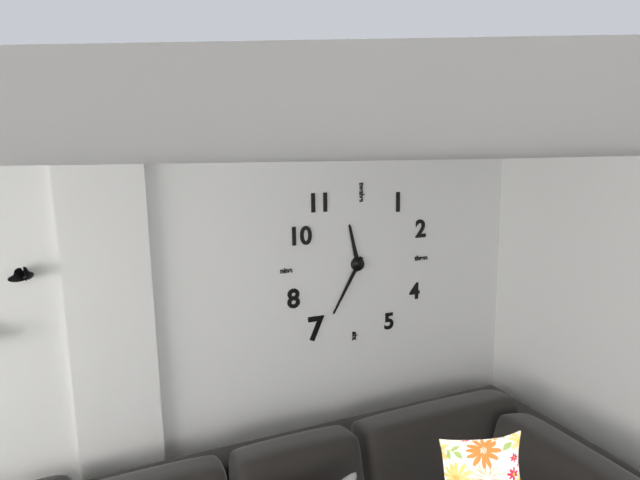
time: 11:35
